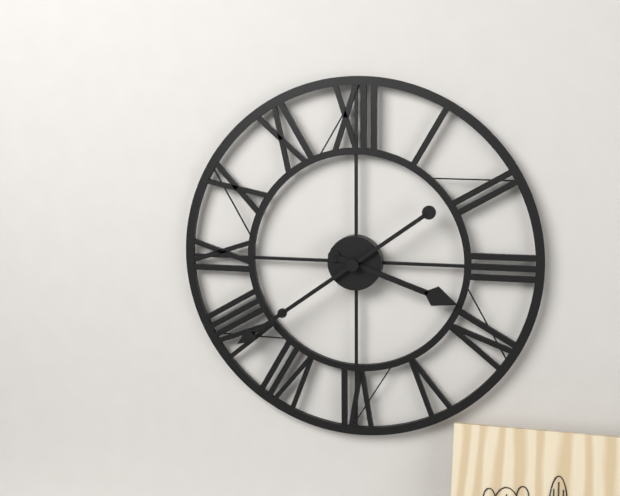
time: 3:39
